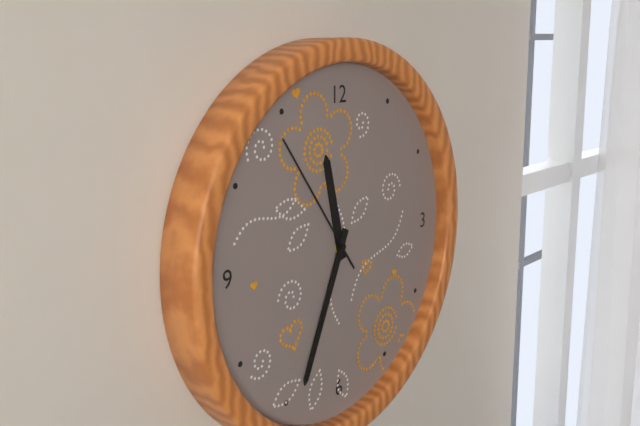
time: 11:34:54
